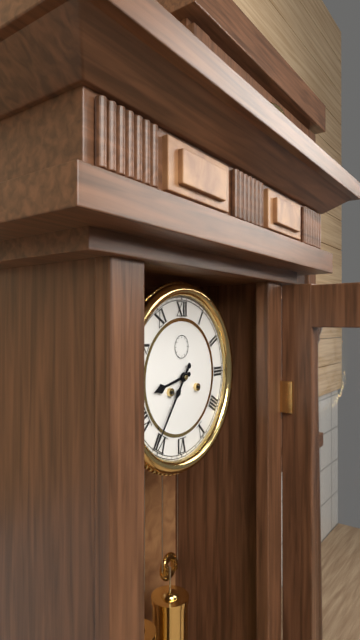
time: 8:36
